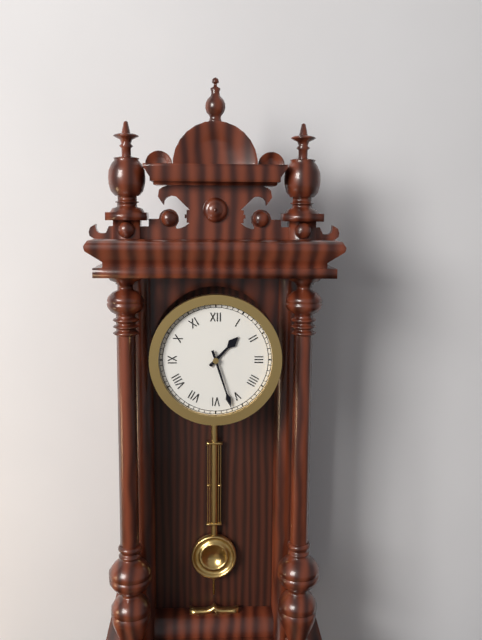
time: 1:27
